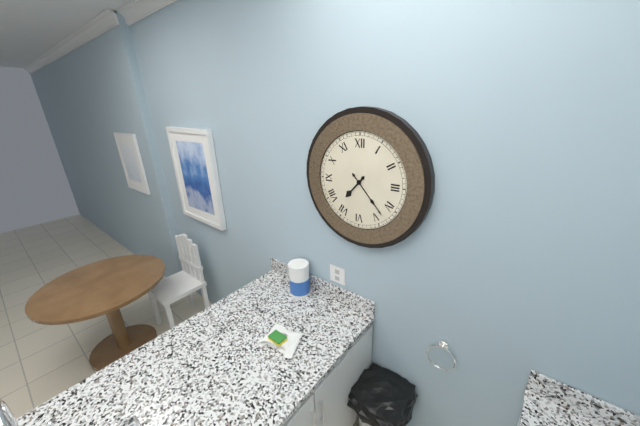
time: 7:23
